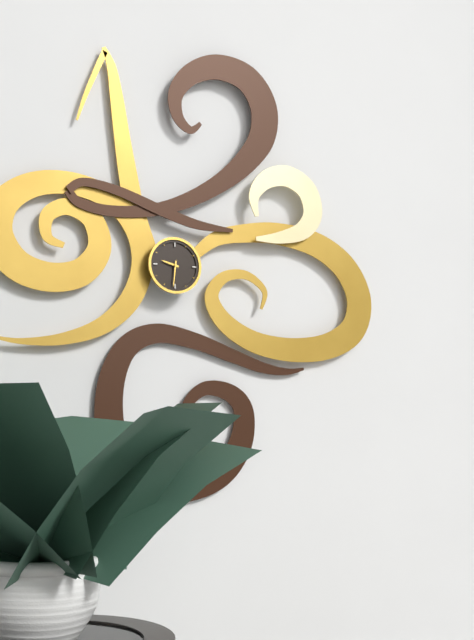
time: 9:31
